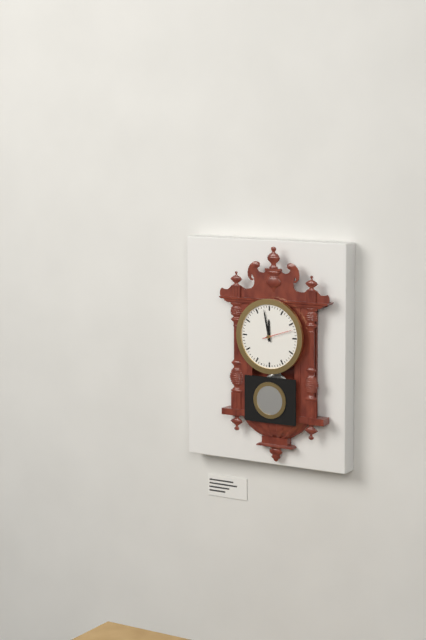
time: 11:58
